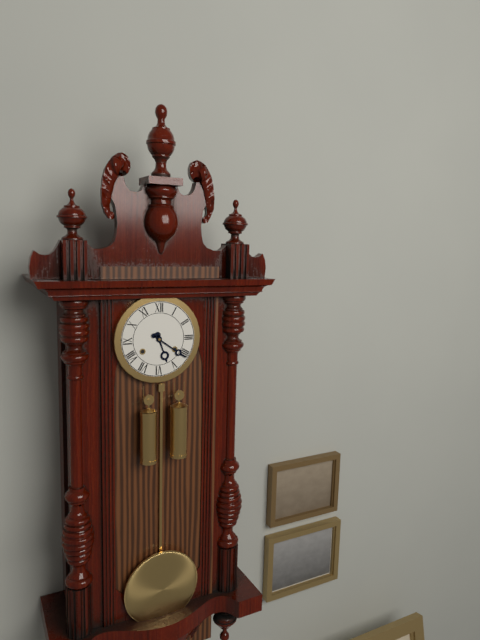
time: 5:21
